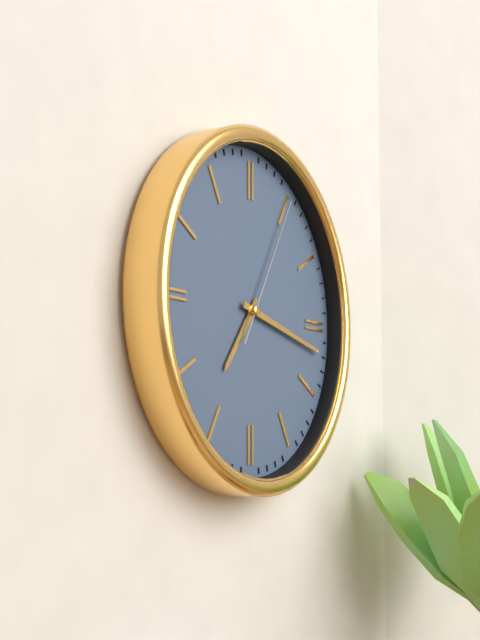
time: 7:17:05
